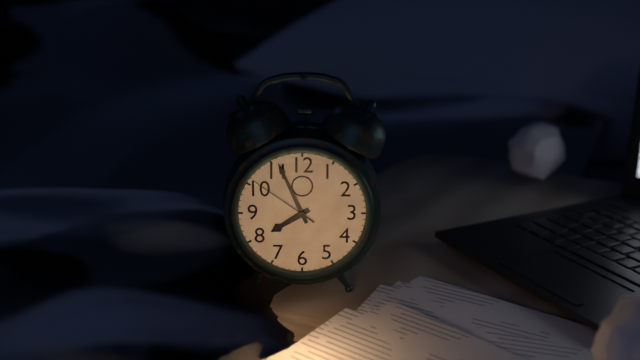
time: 7:56:51
